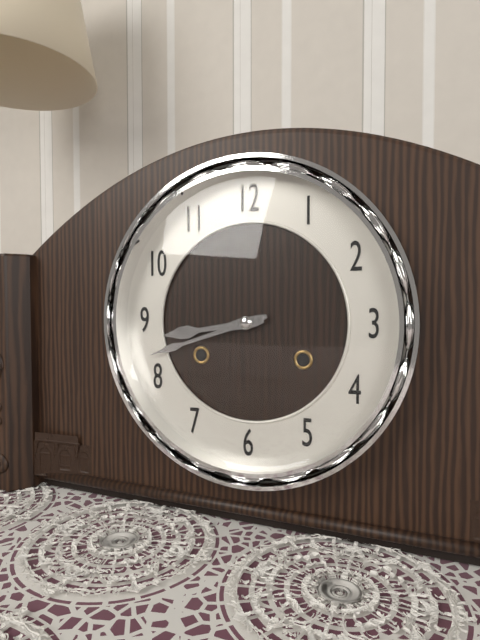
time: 8:42
